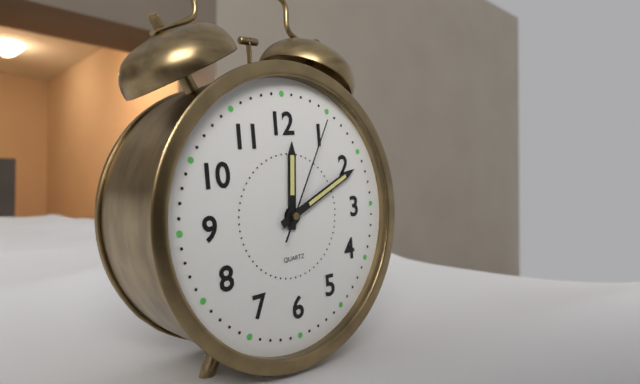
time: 12:11:05
